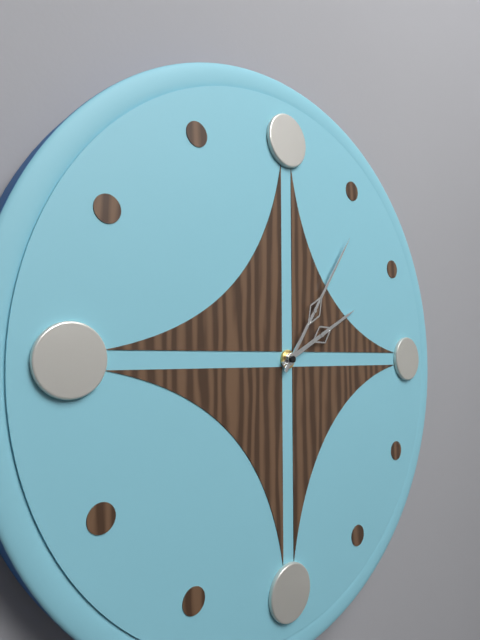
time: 2:06
